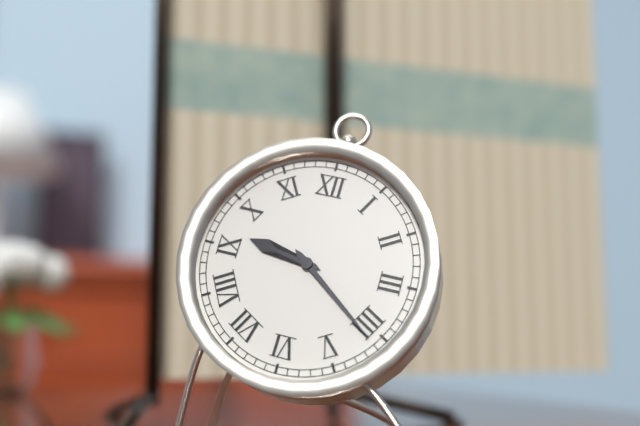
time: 9:21
